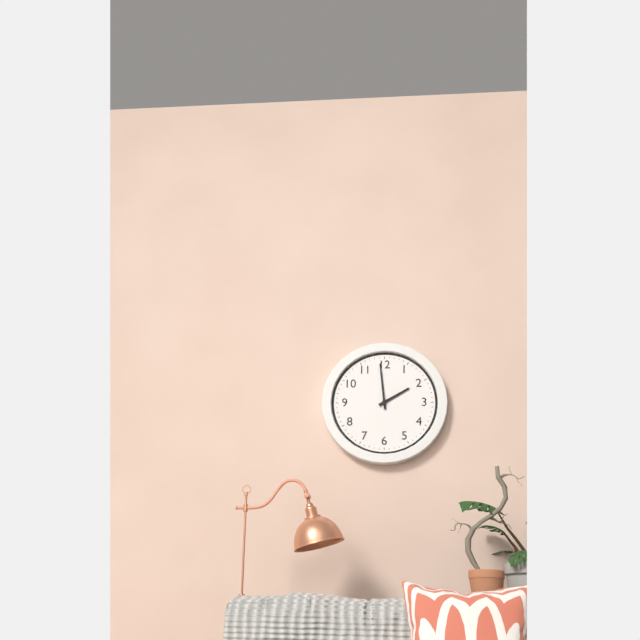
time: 1:59
